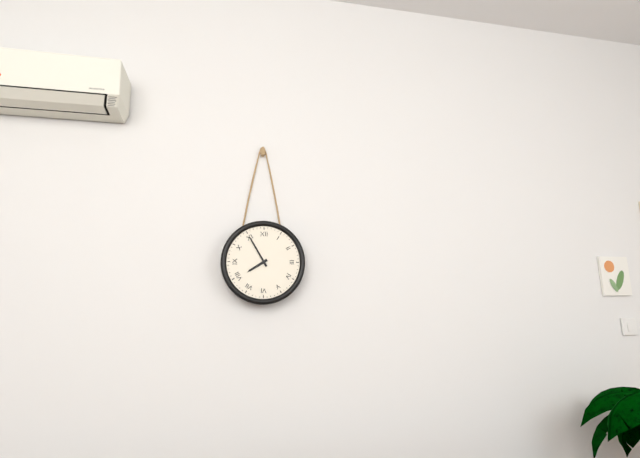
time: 7:55
